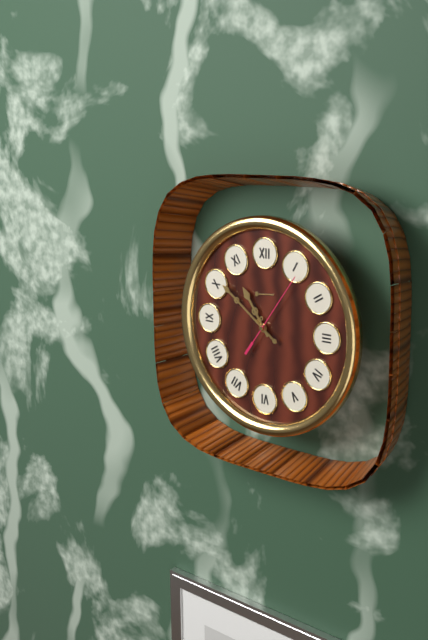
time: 10:51:06
